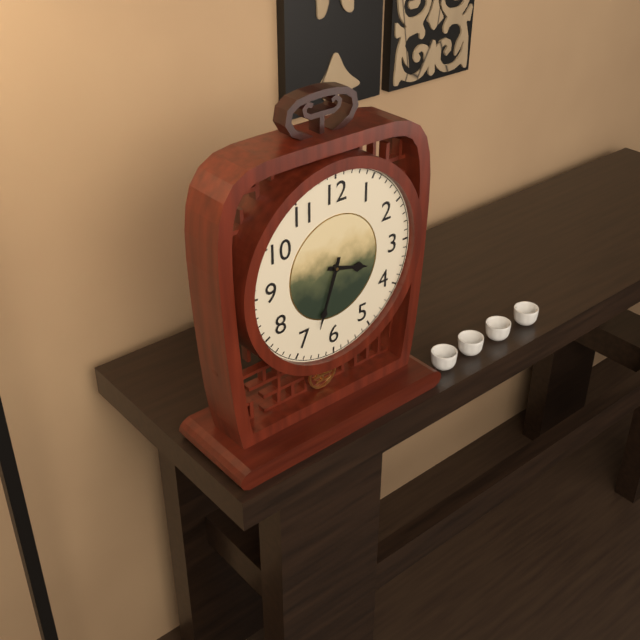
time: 3:33
